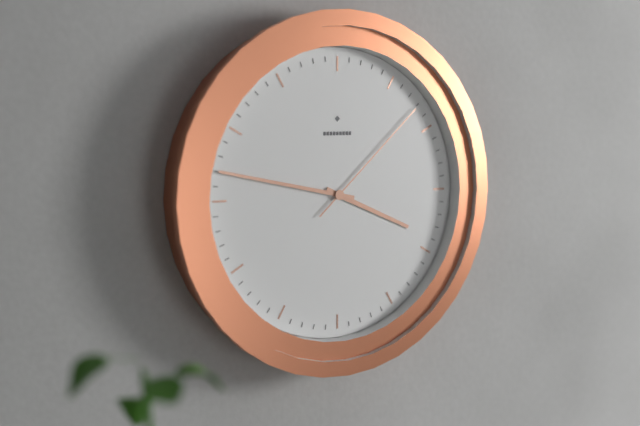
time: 3:47:08
